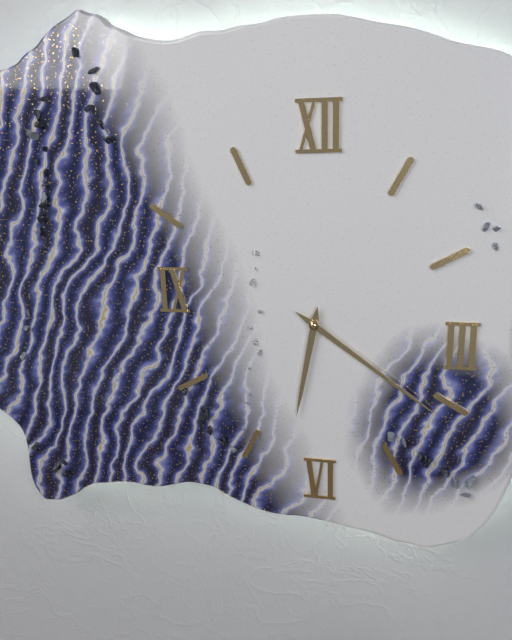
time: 6:21
